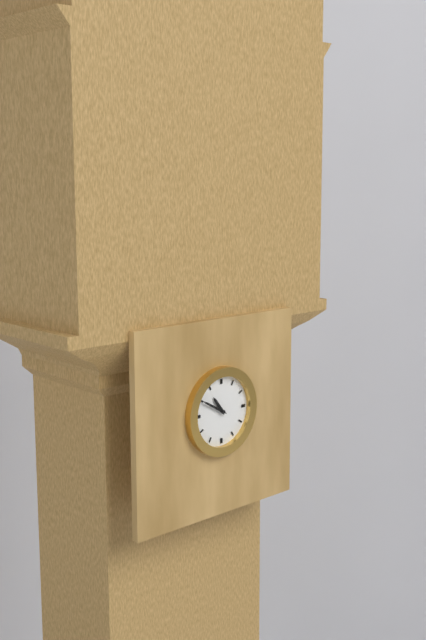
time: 10:50
